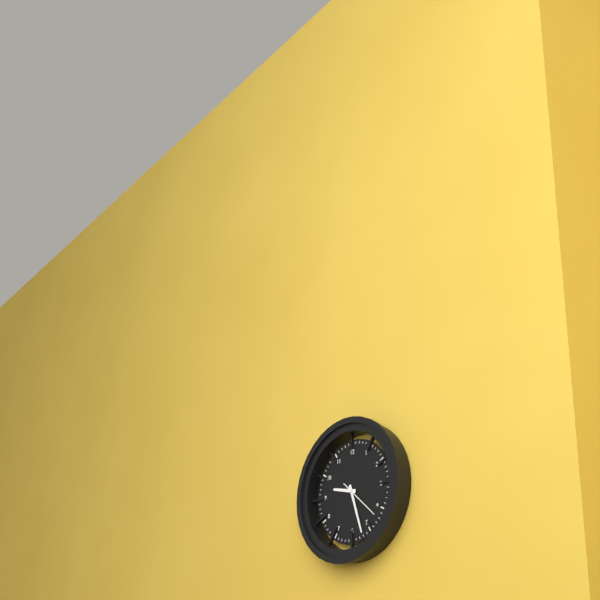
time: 9:27
